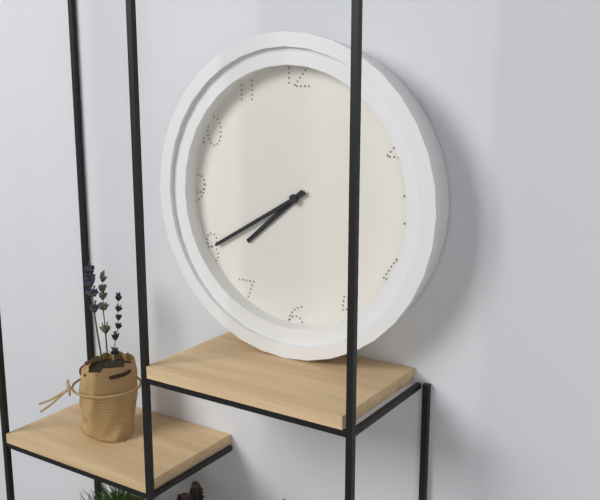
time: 7:40
